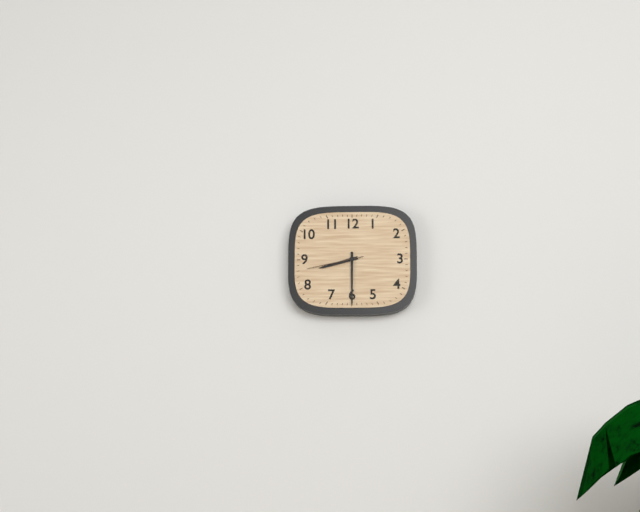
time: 8:30:43
